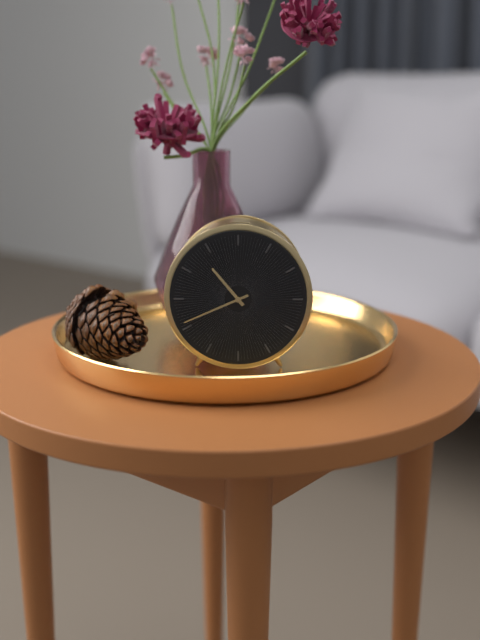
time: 10:41
